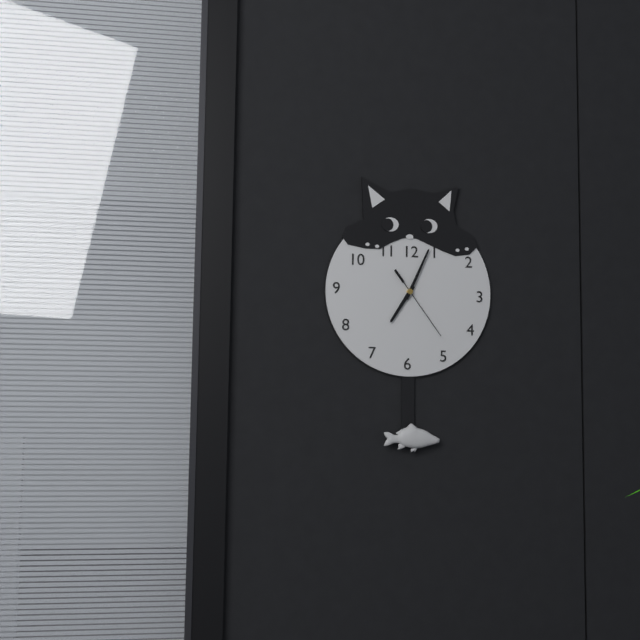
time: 7:04:24
